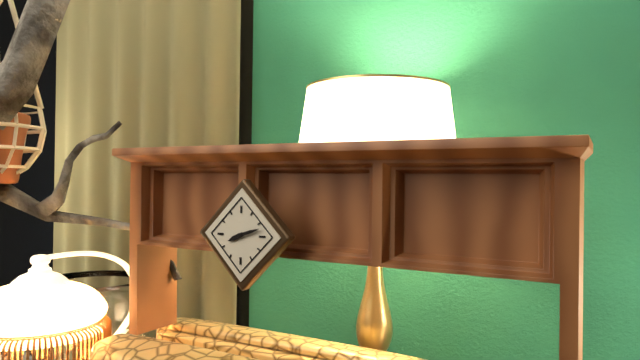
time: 8:12
